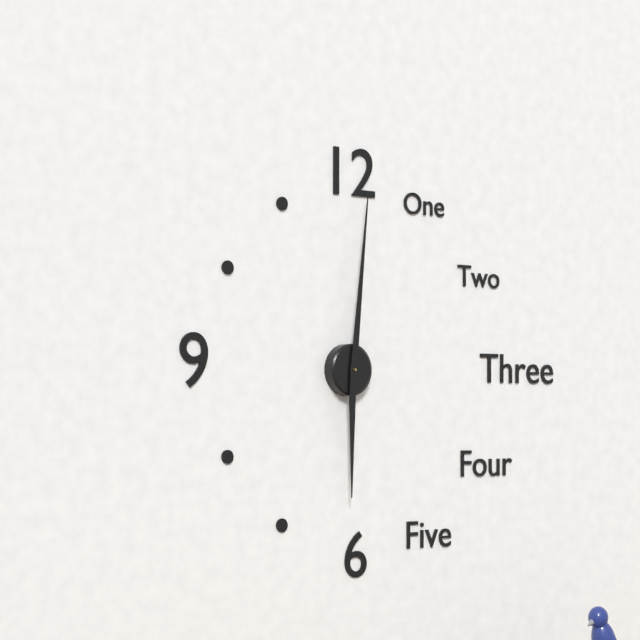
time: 6:01
